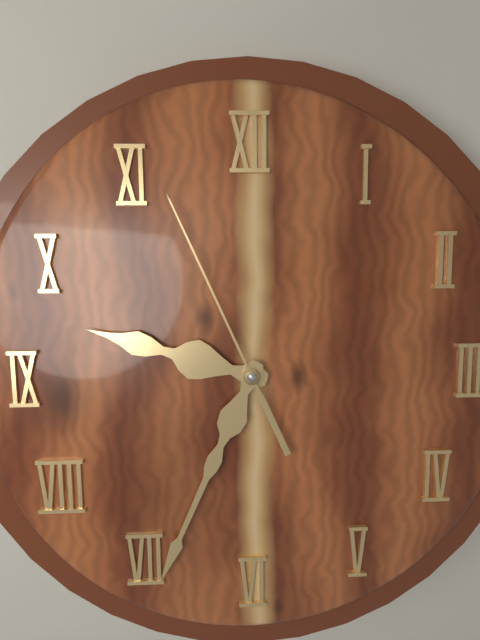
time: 9:34:56
